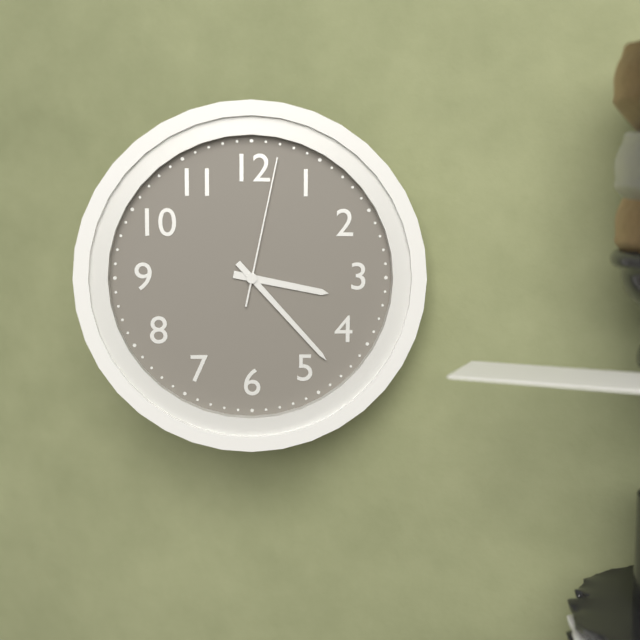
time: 3:23:02
